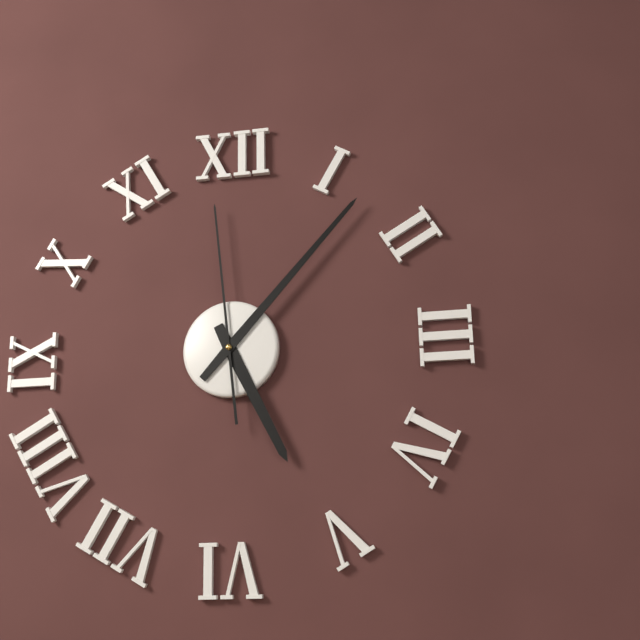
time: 5:07:59
